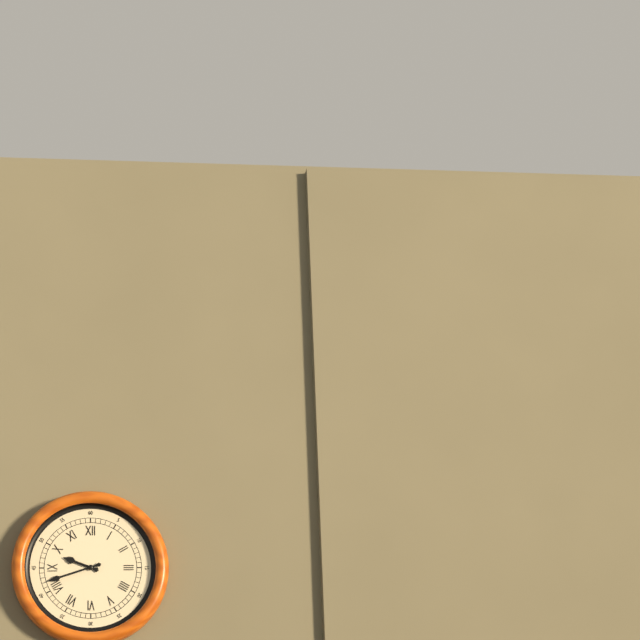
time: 9:42
